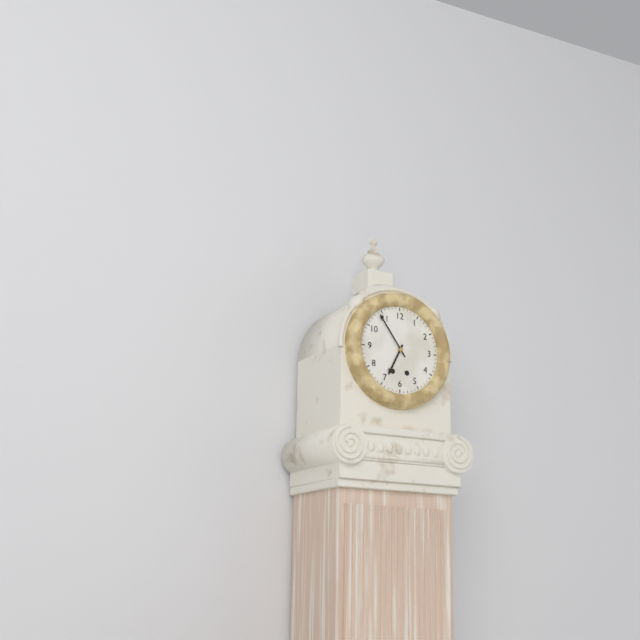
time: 6:54
